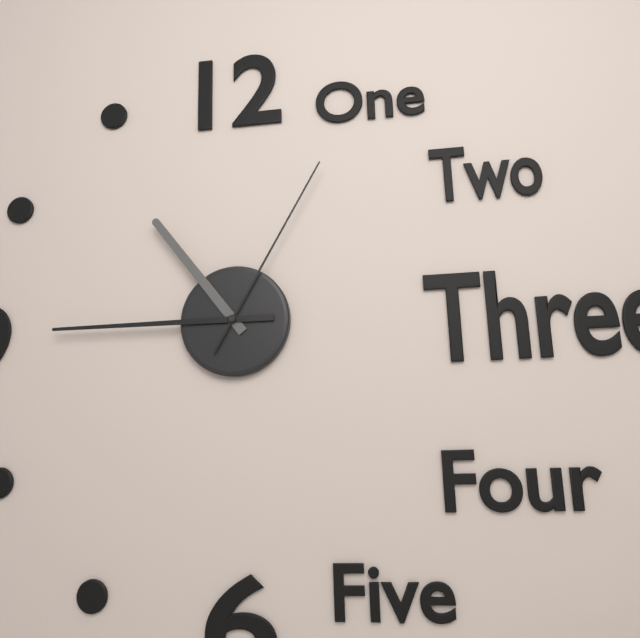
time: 10:45:05
